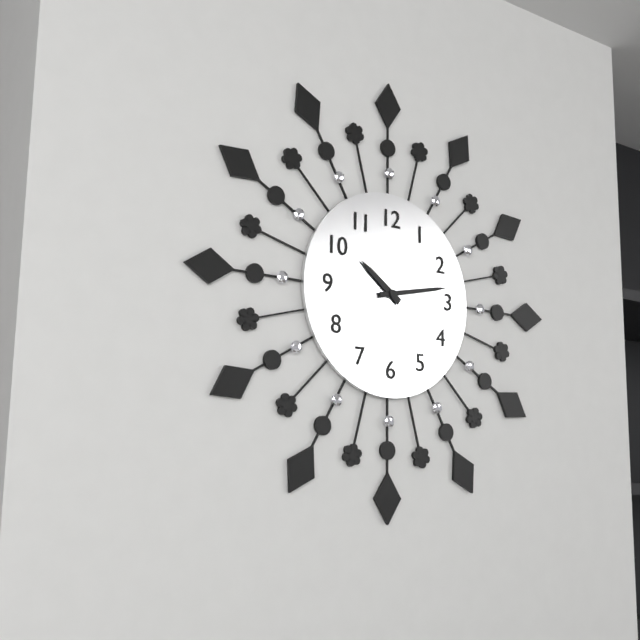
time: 10:13
